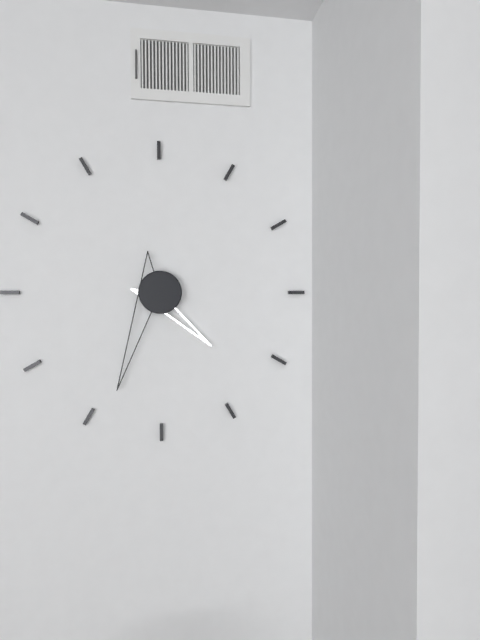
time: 4:34
